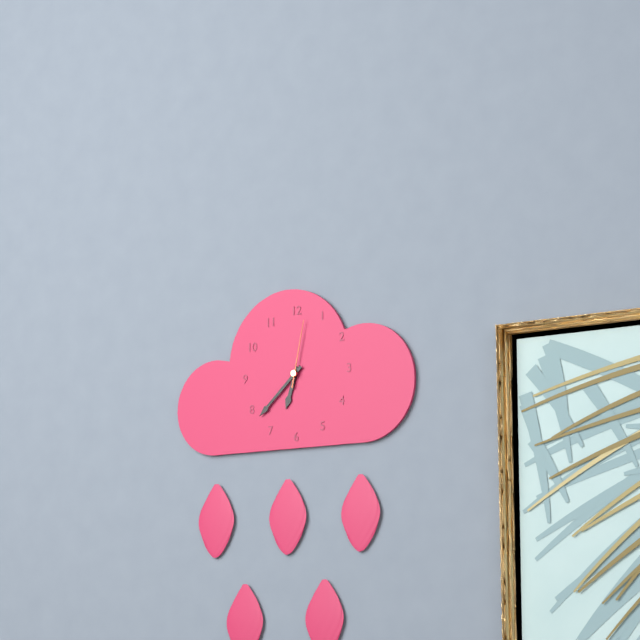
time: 6:38:02
